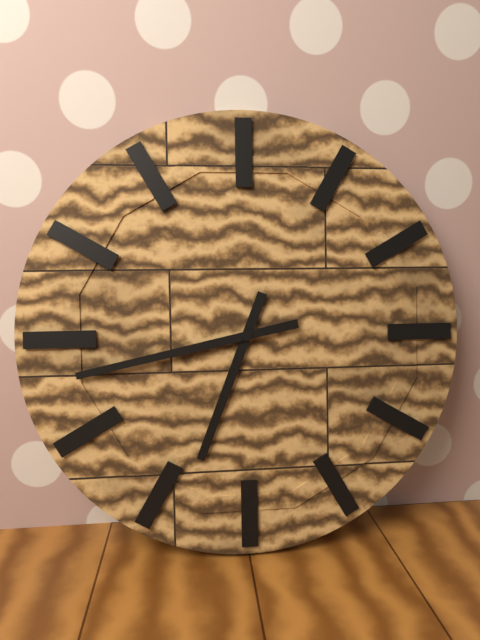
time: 6:43
